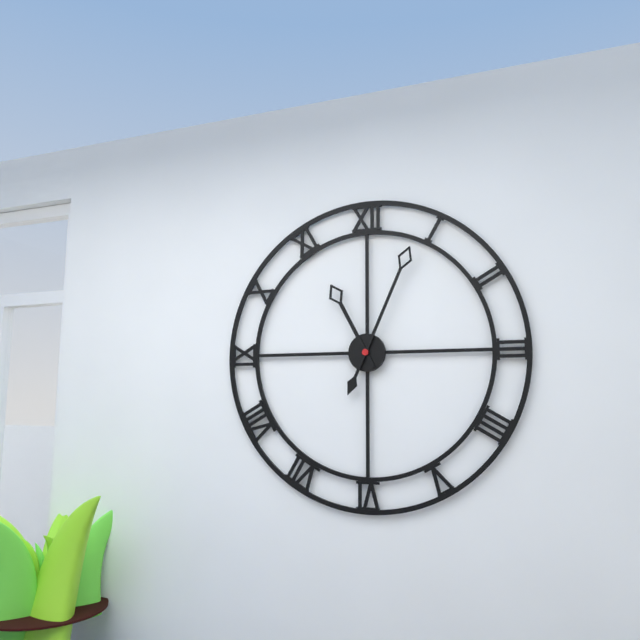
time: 11:04
